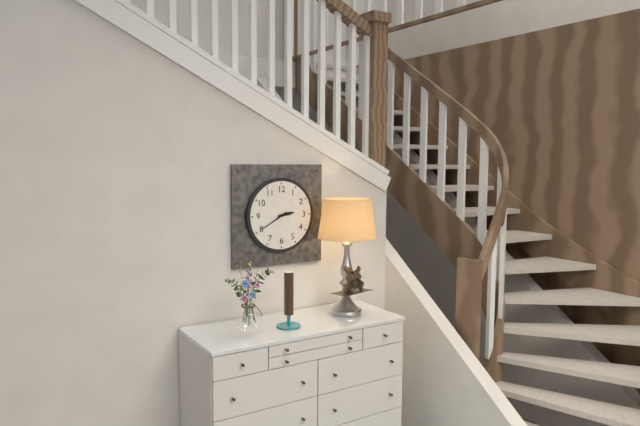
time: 2:40
